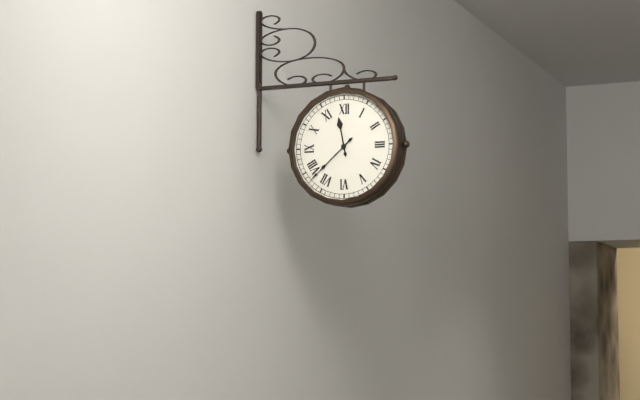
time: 11:38
